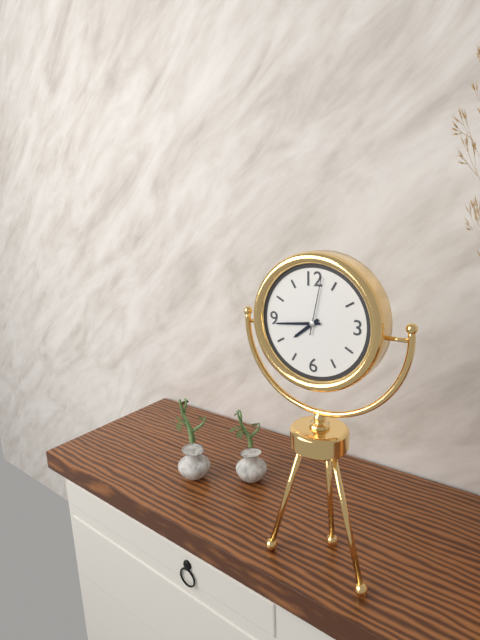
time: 7:44:02
